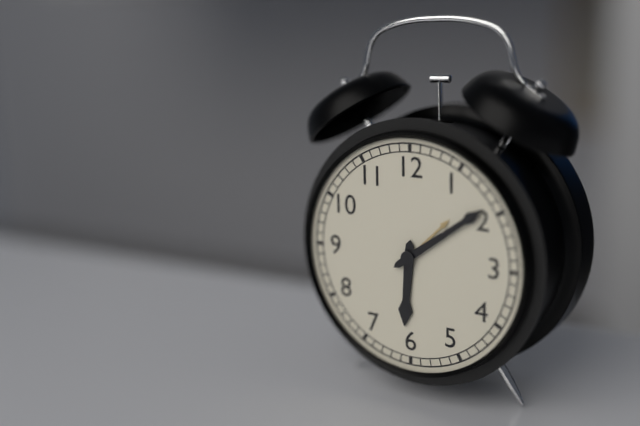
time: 6:09
